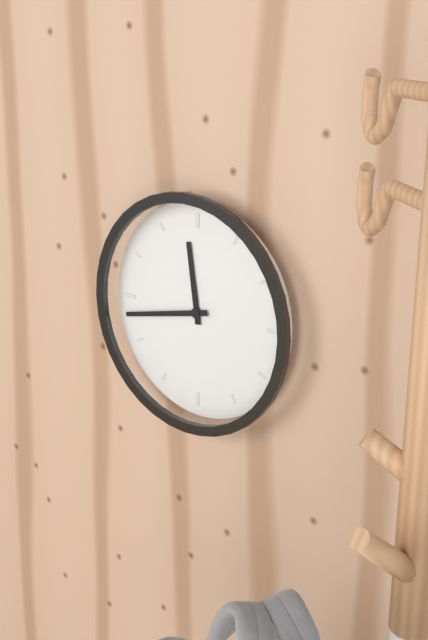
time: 11:43
